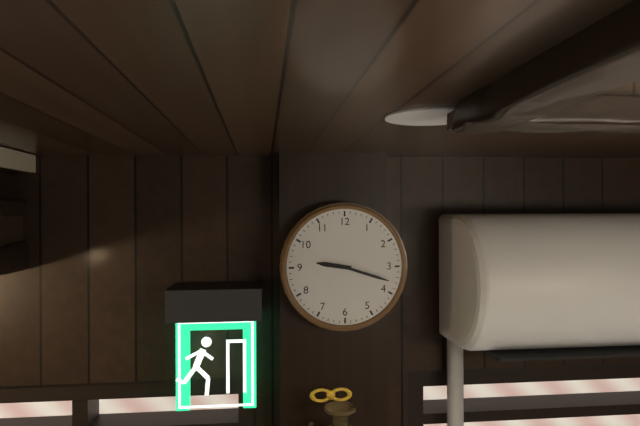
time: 9:18
